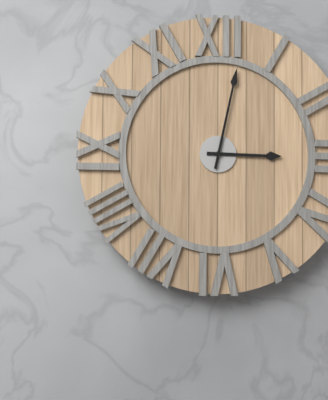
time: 3:02
